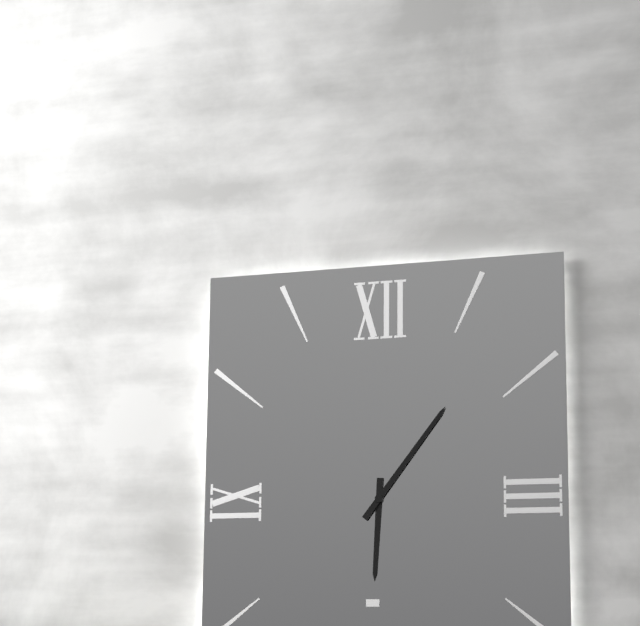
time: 6:06
